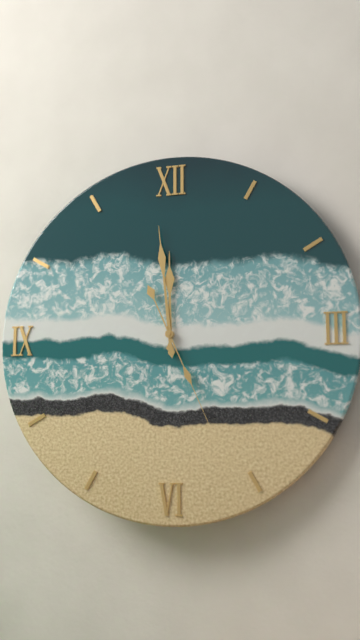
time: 11:59:26
